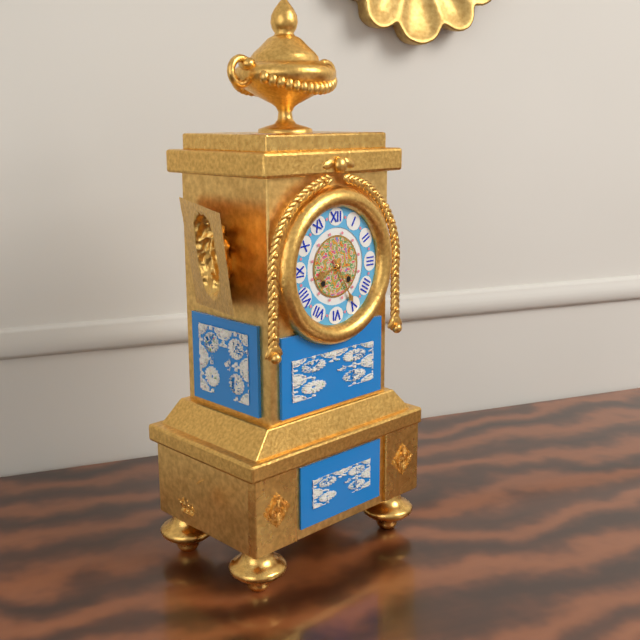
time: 8:25
